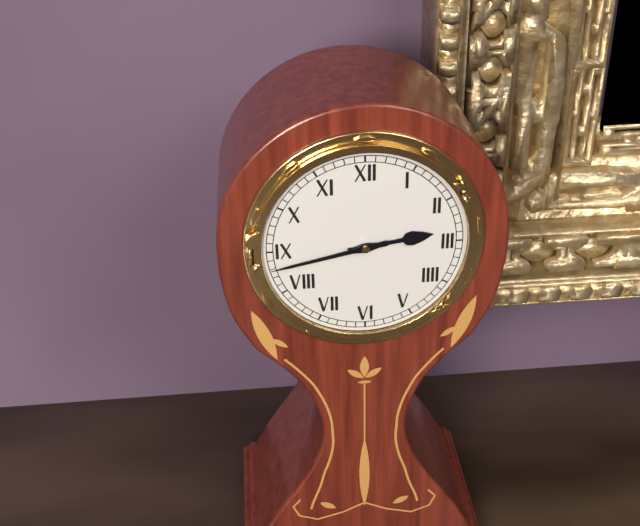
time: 2:43
